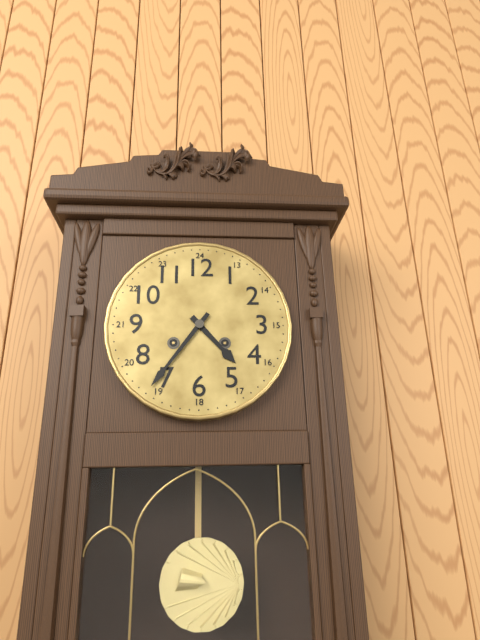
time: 4:36
